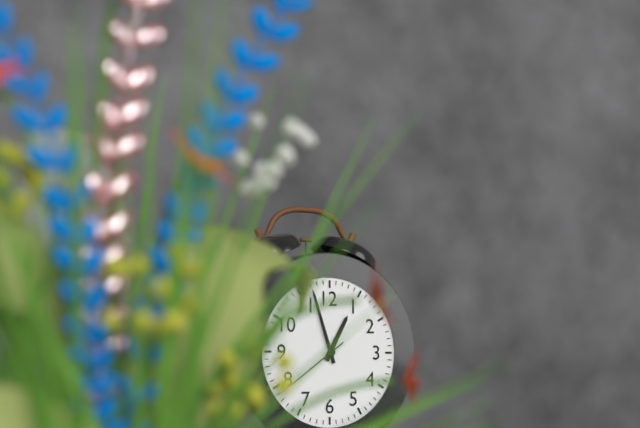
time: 12:57
